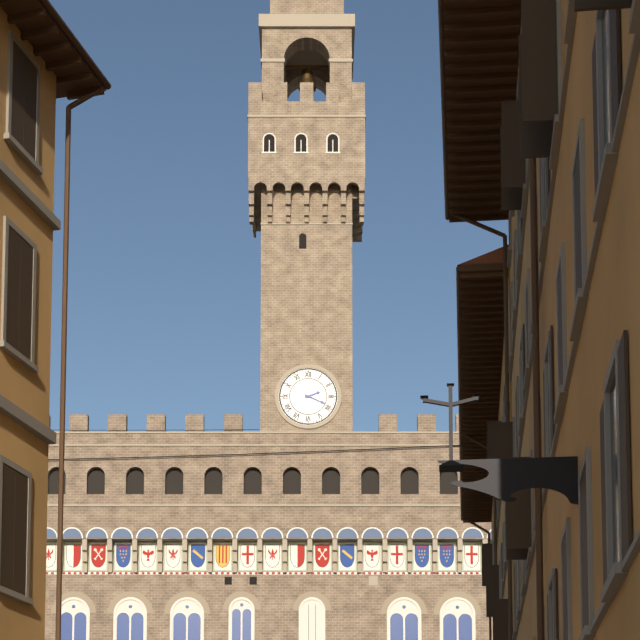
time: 2:19
